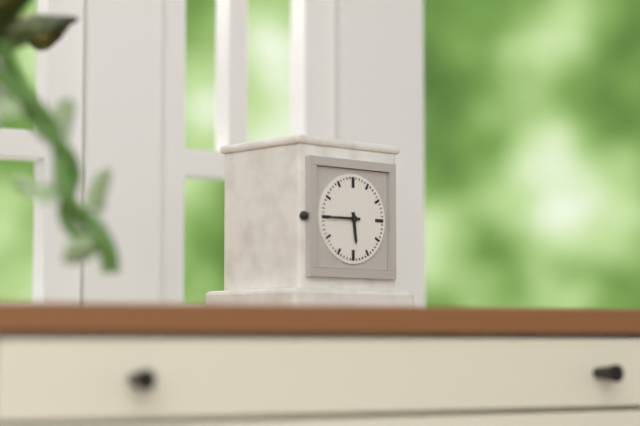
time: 5:45
